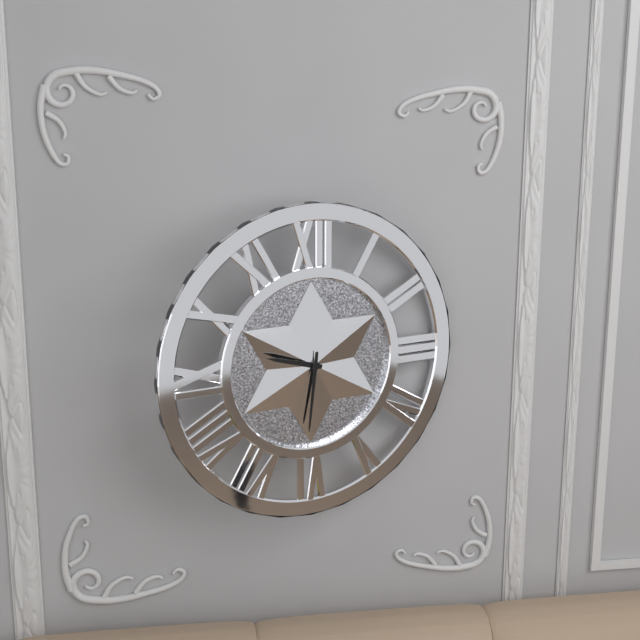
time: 9:31
